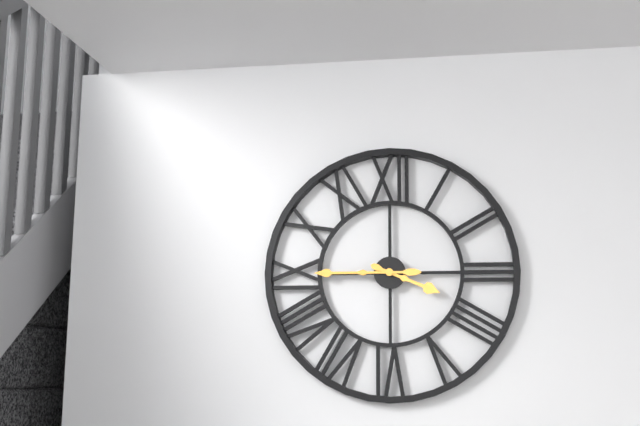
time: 3:45
